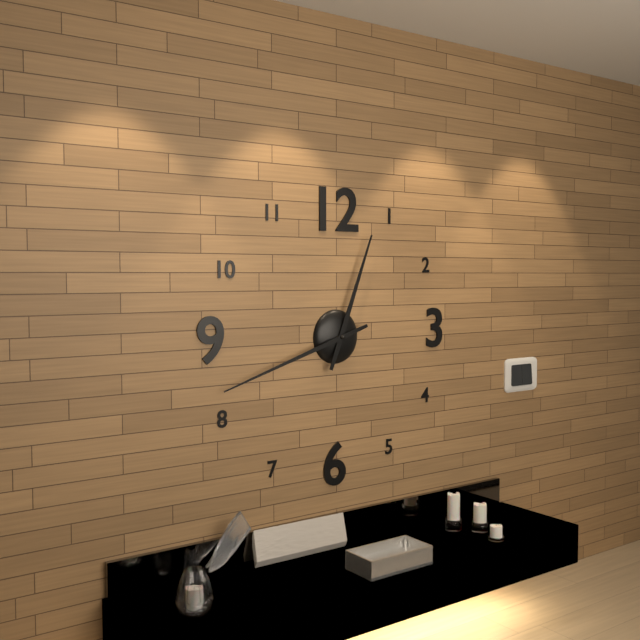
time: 12:42
